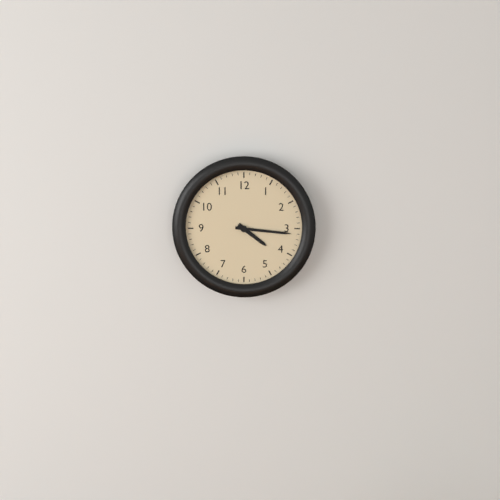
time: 4:16
